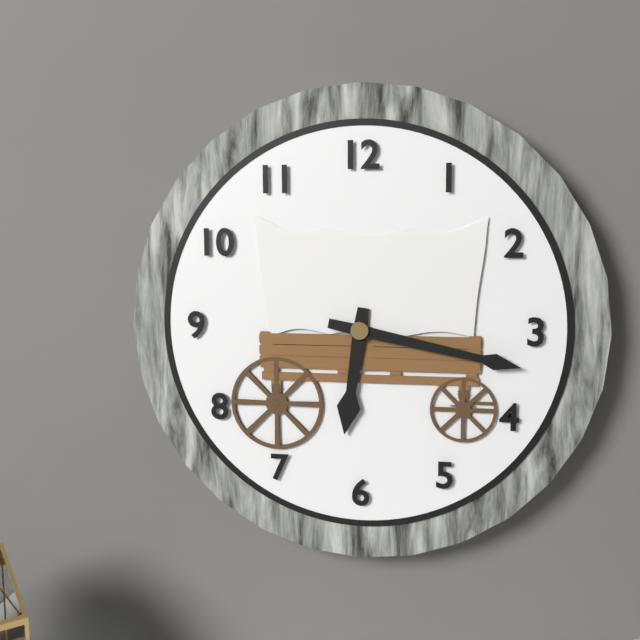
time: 6:17
